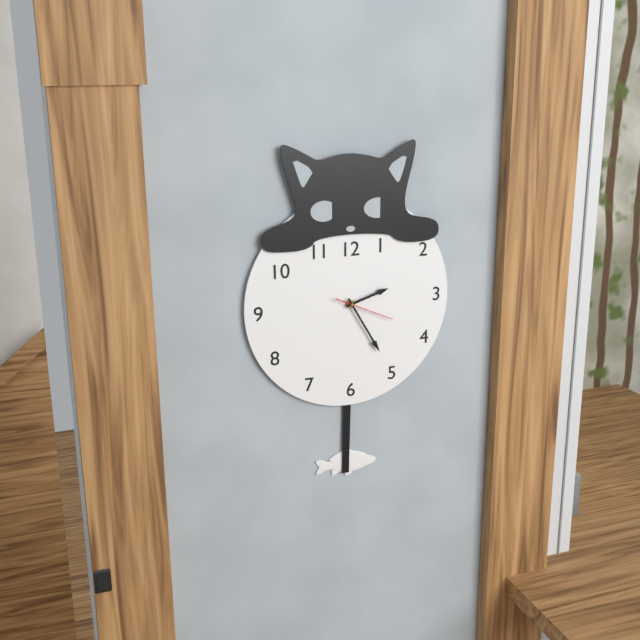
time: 2:25:19
